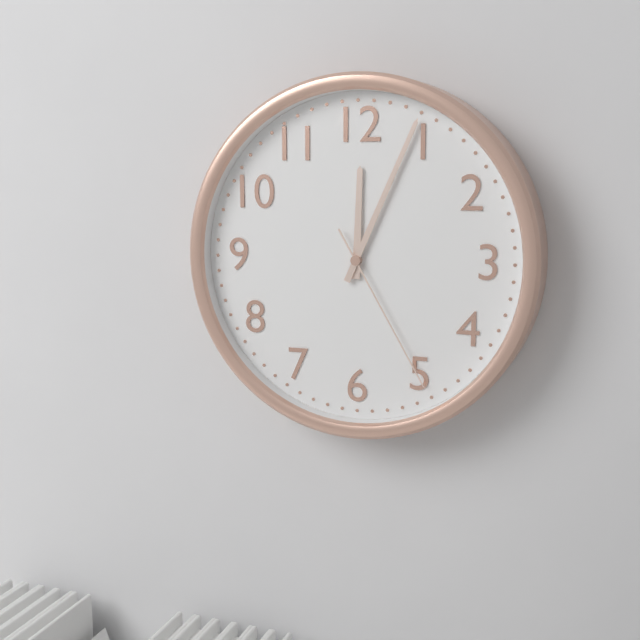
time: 12:04:25
